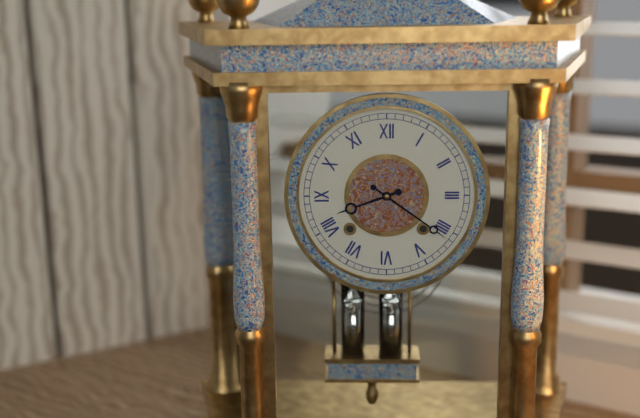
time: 8:21
